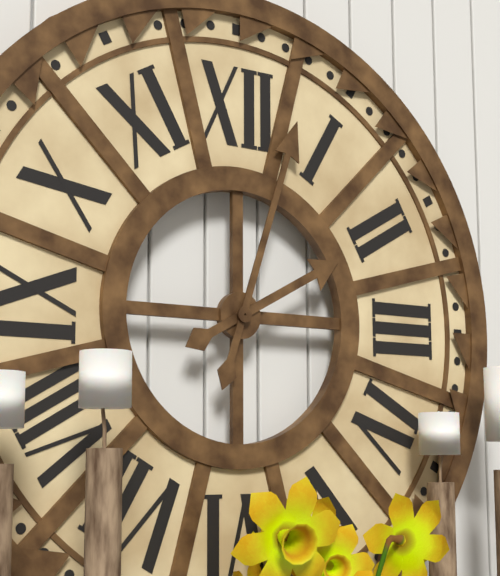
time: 2:03
